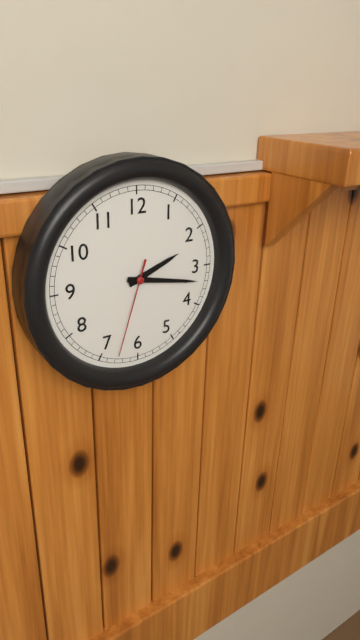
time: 2:17:33
